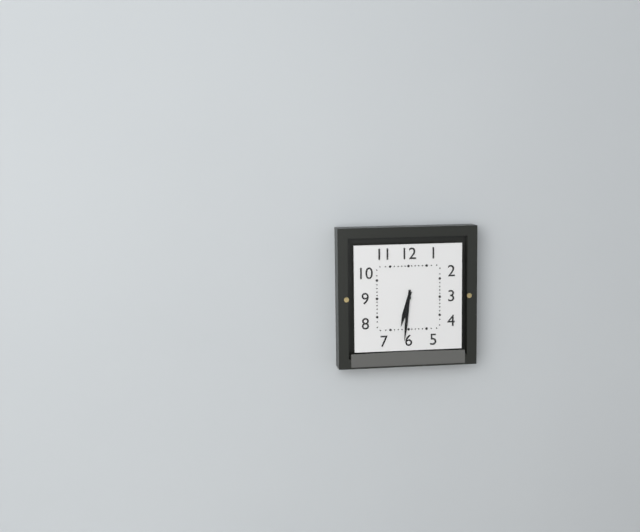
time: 6:31
